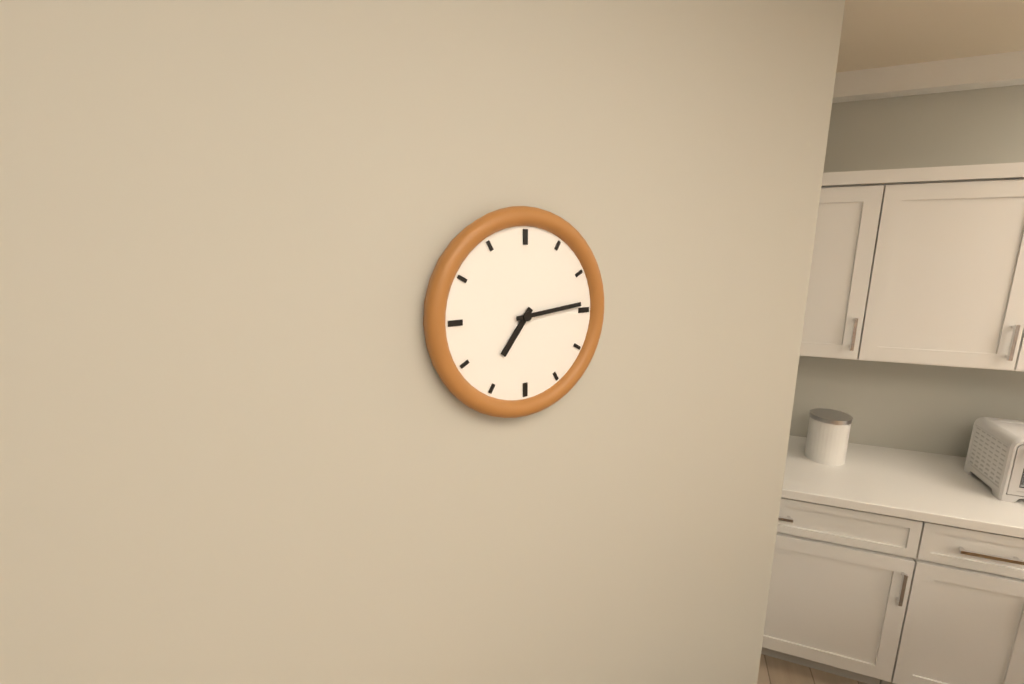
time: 7:14
